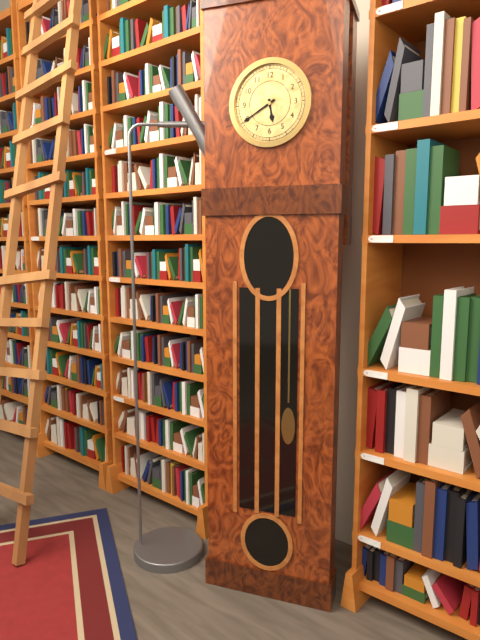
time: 5:40
